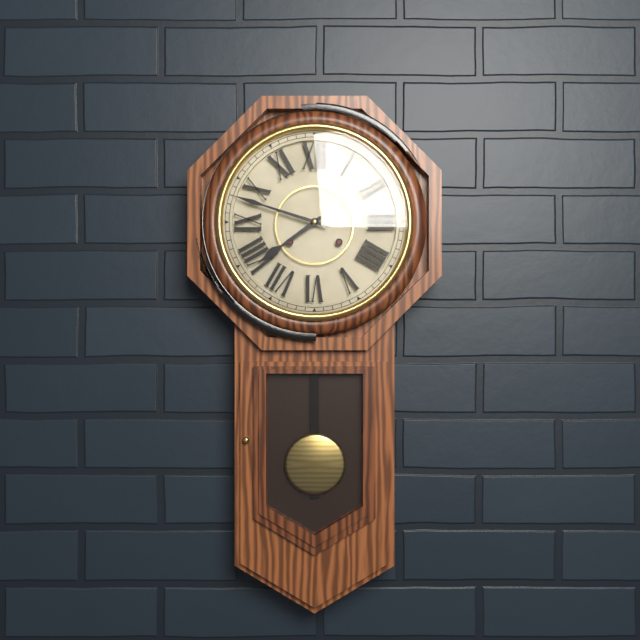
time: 7:48
